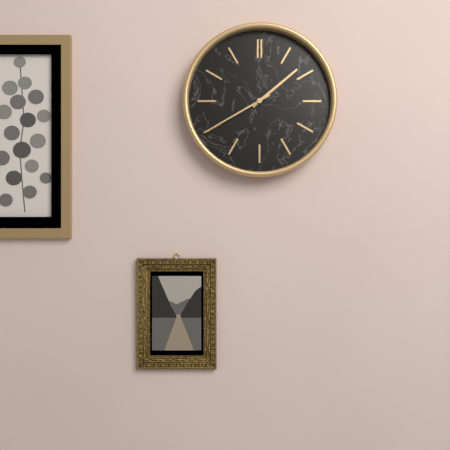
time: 1:40
